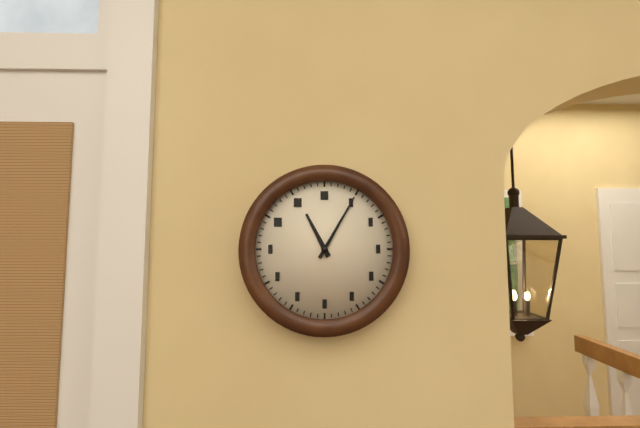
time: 11:05
